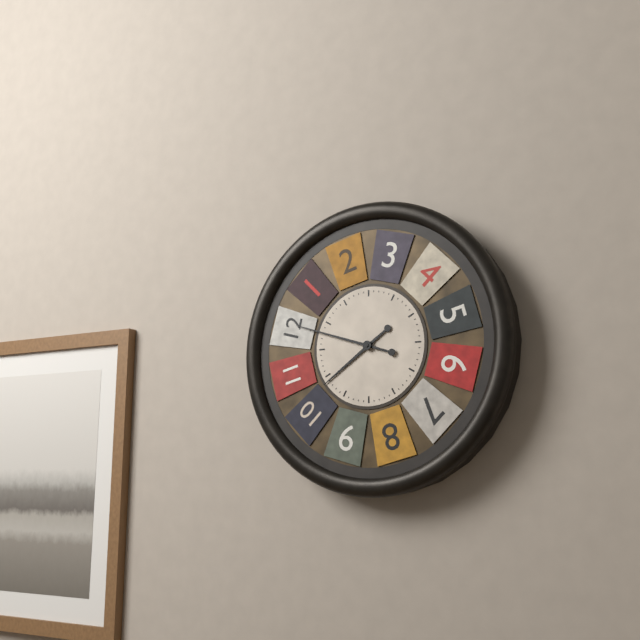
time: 7:48
